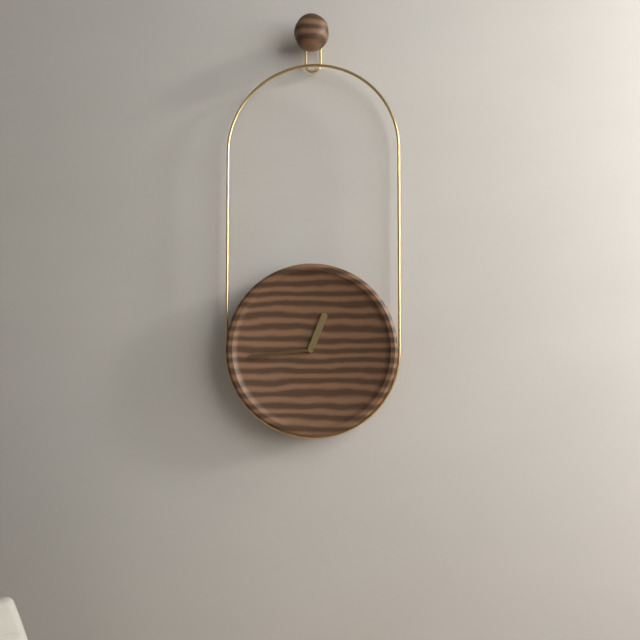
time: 12:44
